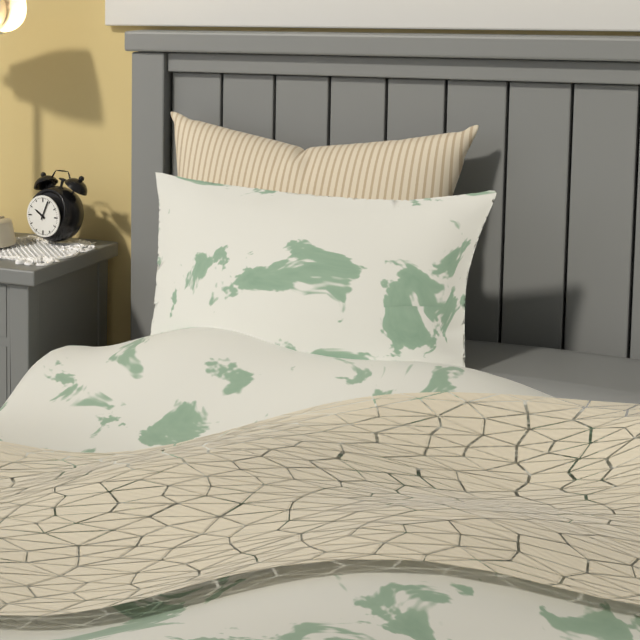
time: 10:04
